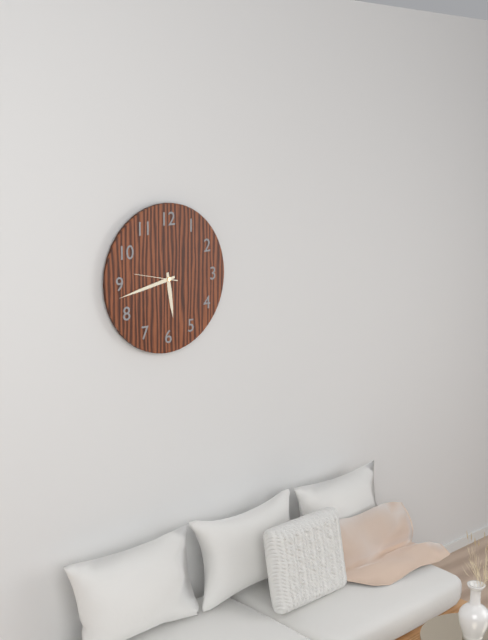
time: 5:43
